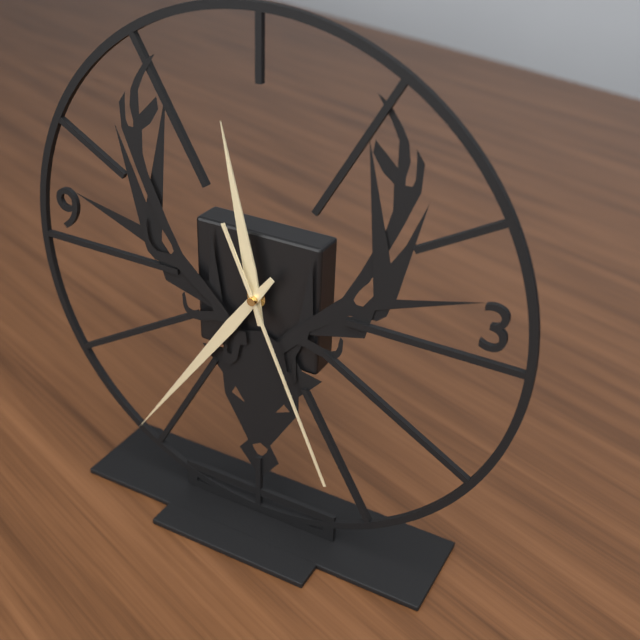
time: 11:36:26
